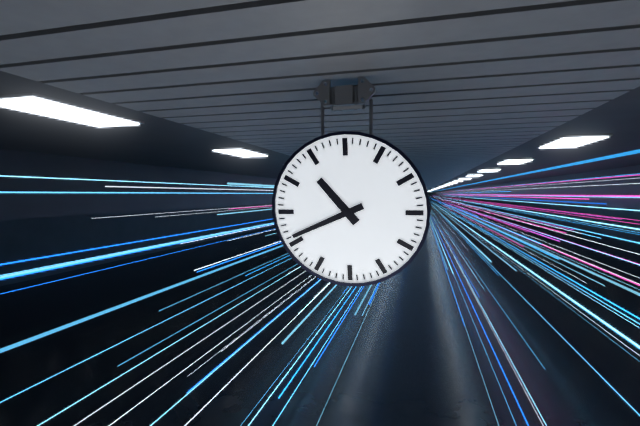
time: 10:41
